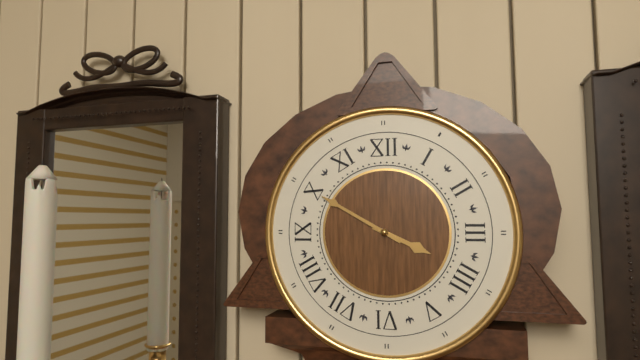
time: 3:50
